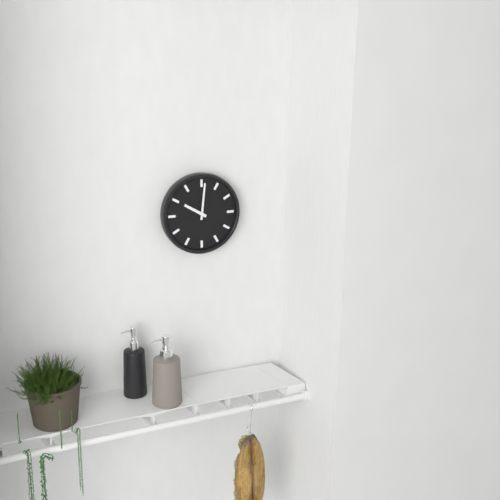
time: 10:01
